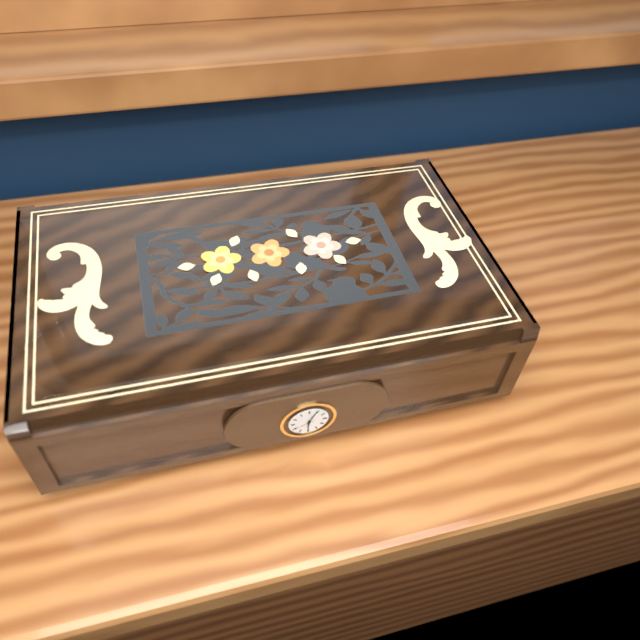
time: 6:04:41
